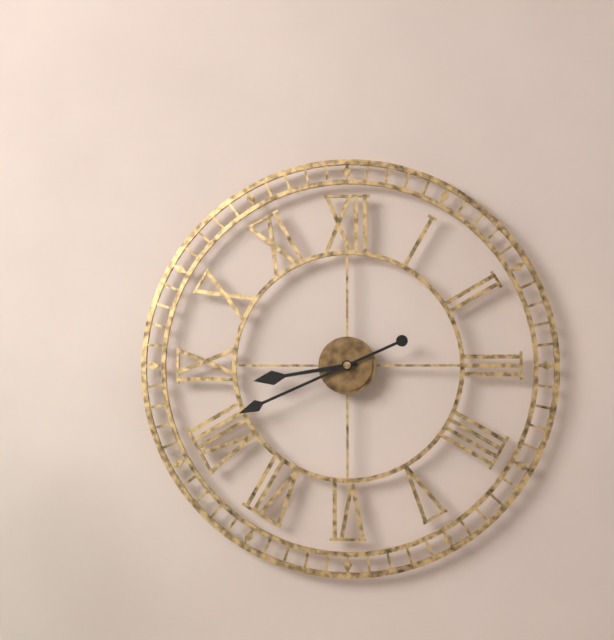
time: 8:41
